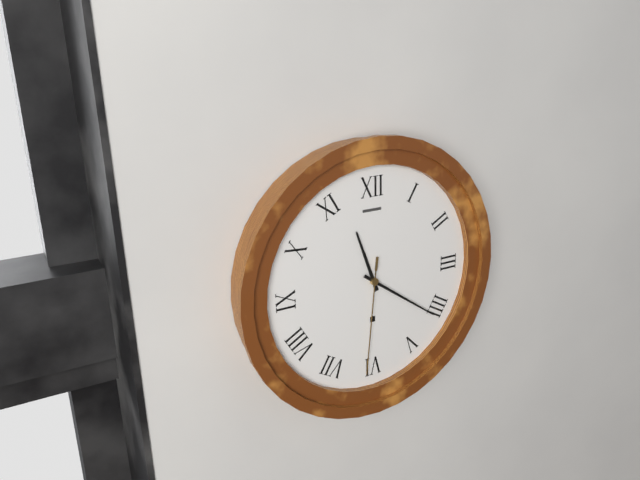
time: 11:21:31
